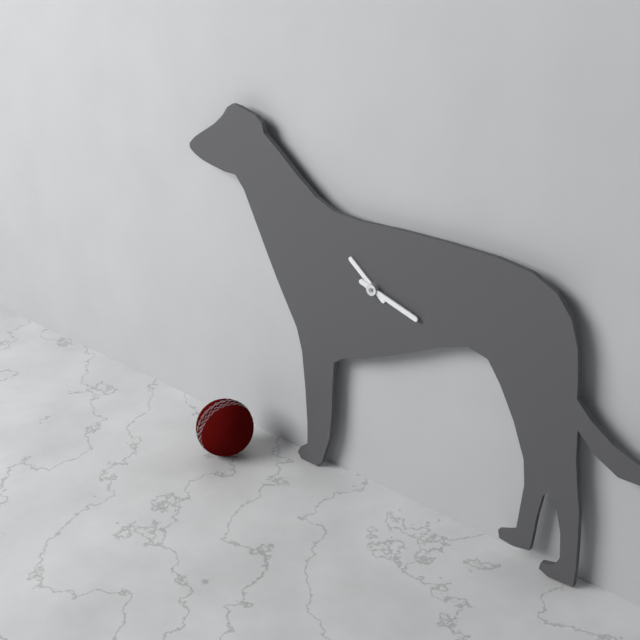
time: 10:18
